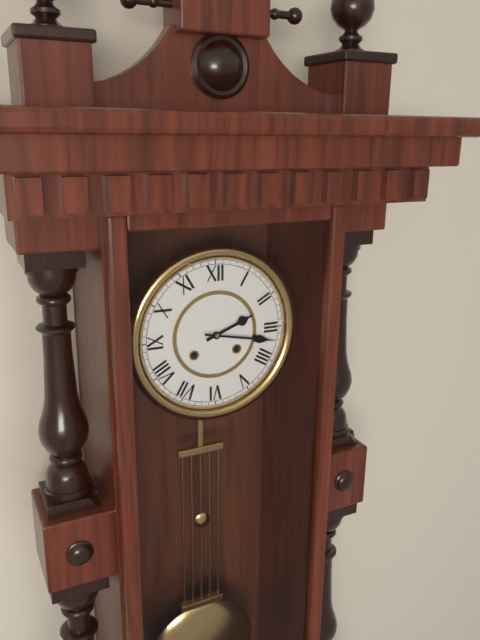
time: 2:17
